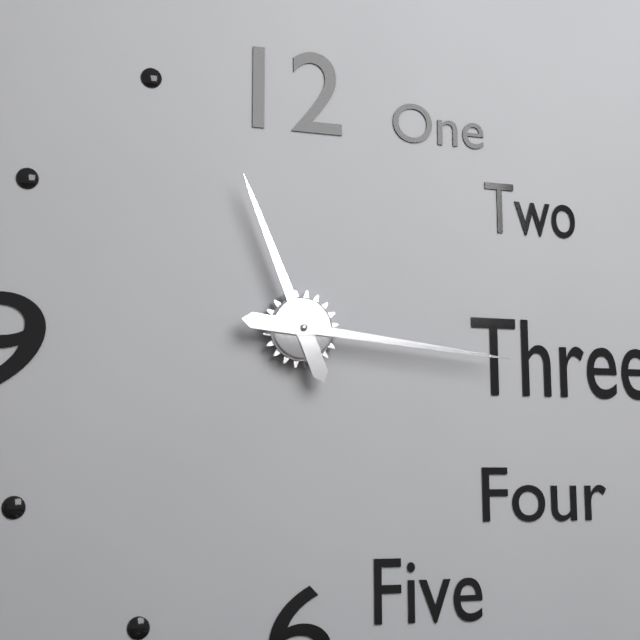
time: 11:16
